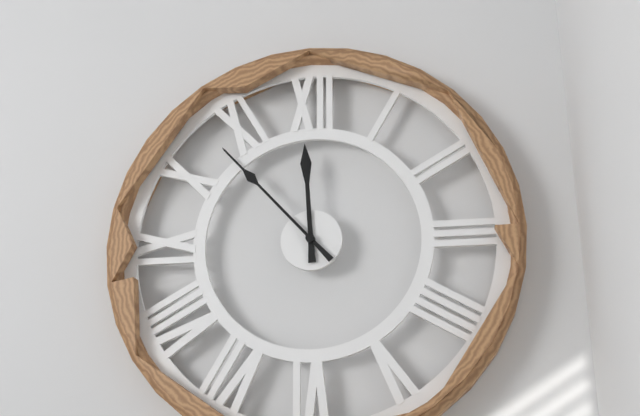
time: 11:53
